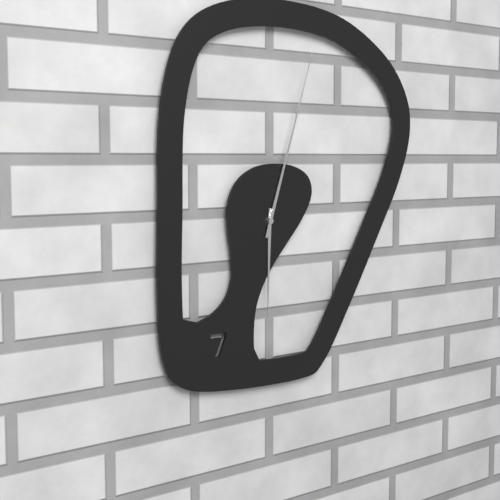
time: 6:03
